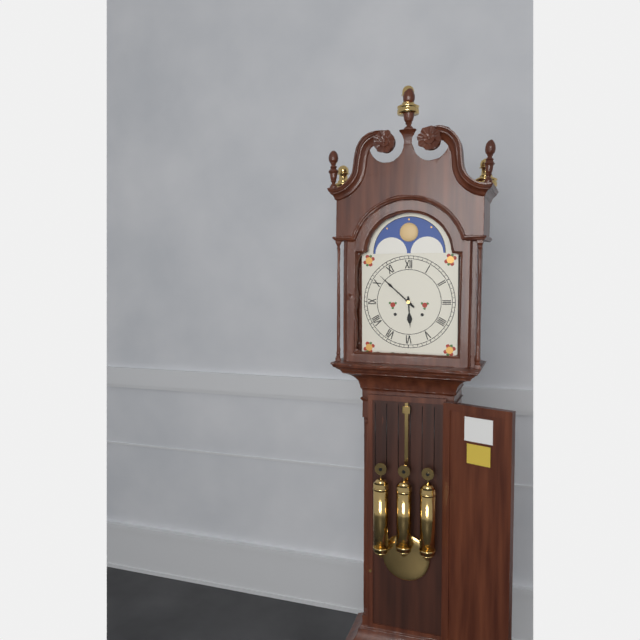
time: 5:52
